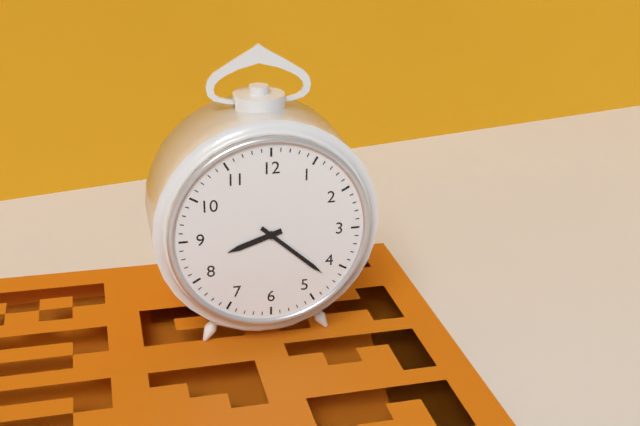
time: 8:22
